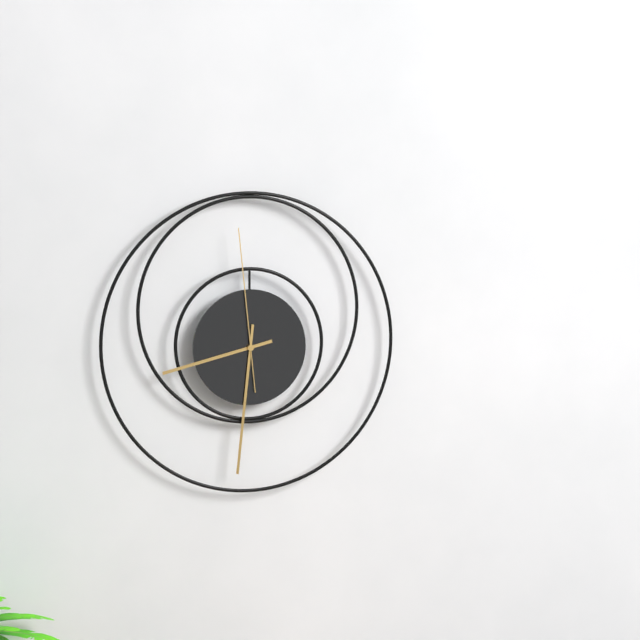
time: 8:31:59
